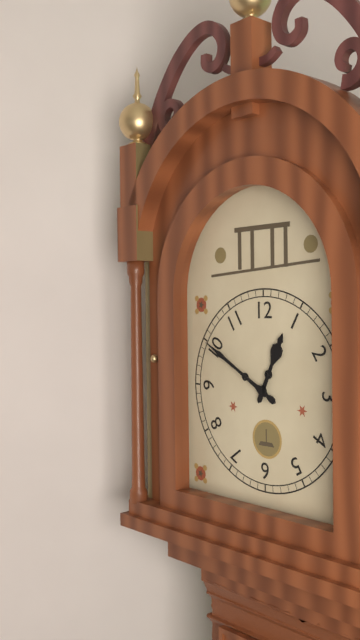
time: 12:50
